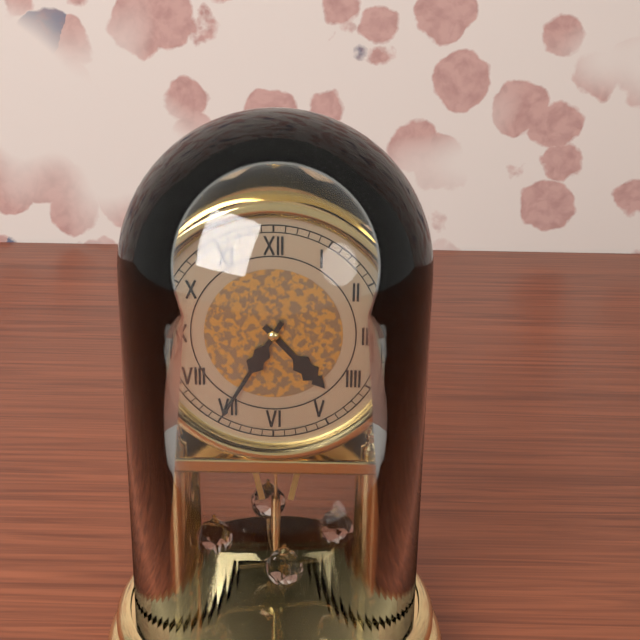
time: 4:35
